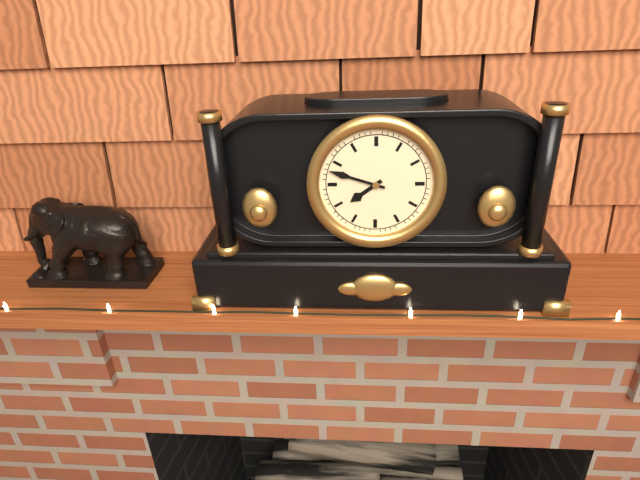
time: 7:48
